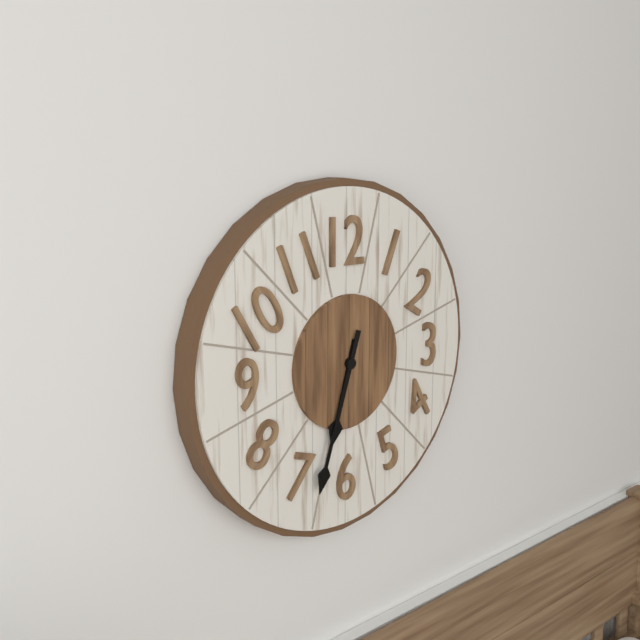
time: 6:33
